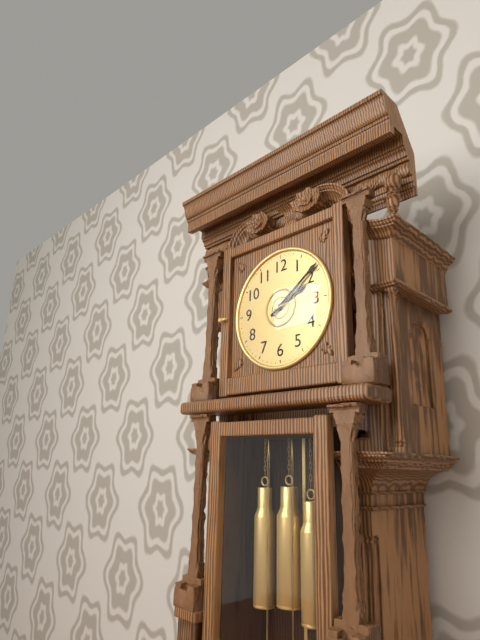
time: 2:09:14
